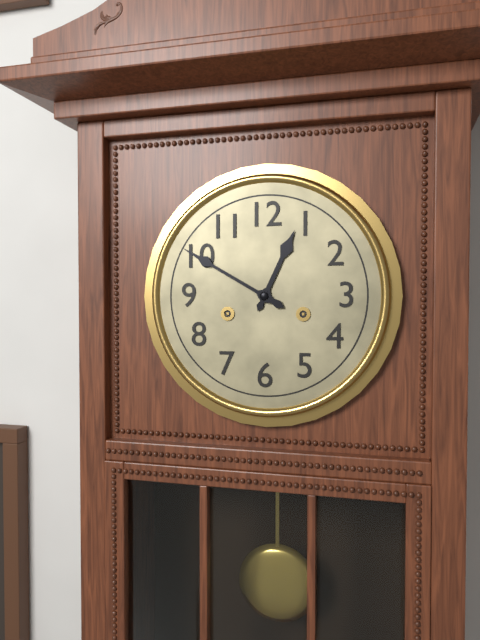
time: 12:50
